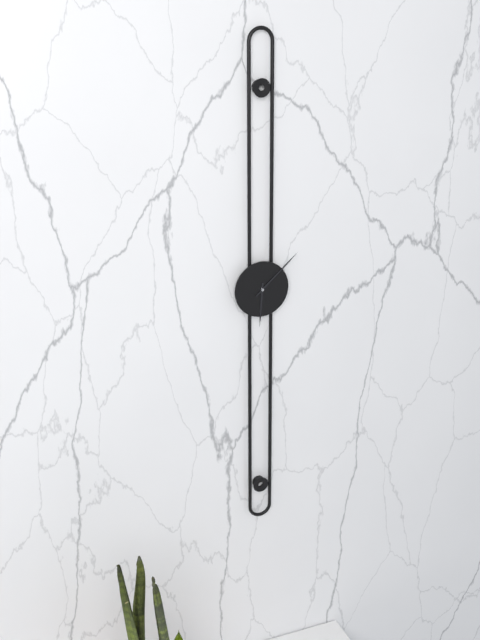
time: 6:08
